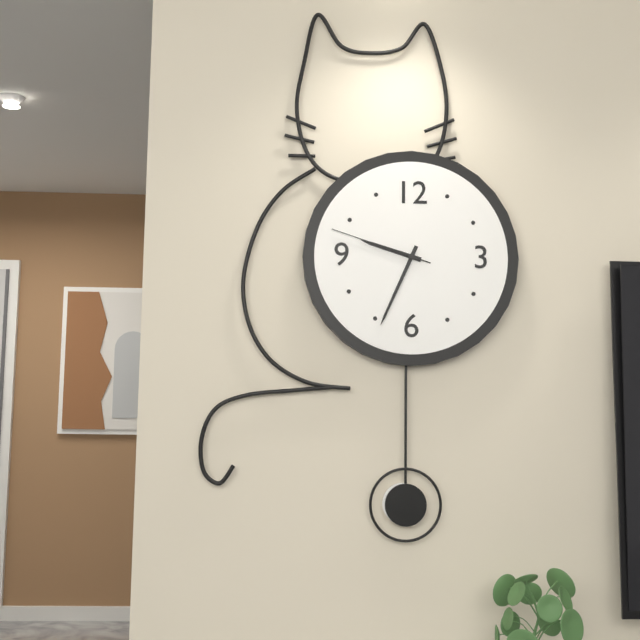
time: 9:34:48
